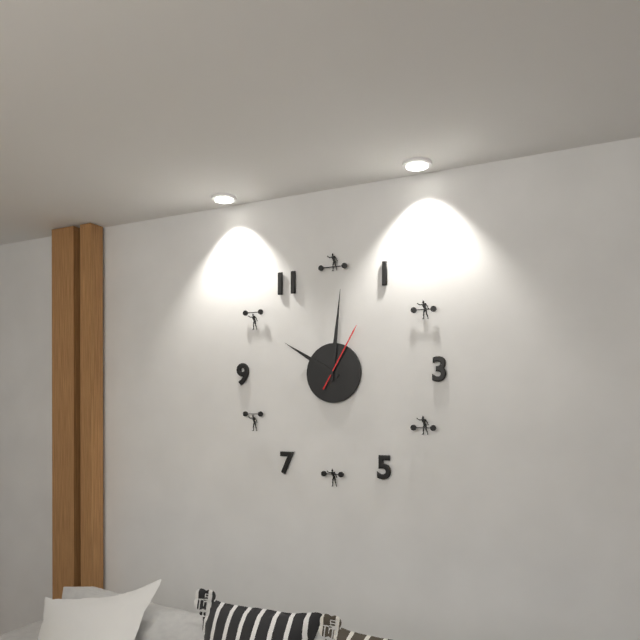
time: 10:01:05
